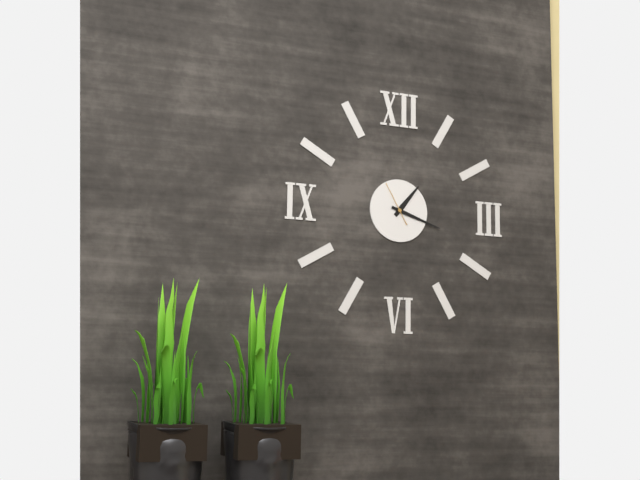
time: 1:18
